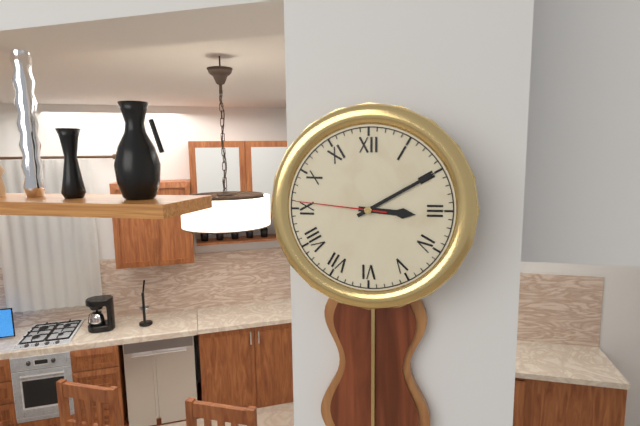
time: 3:10:46
